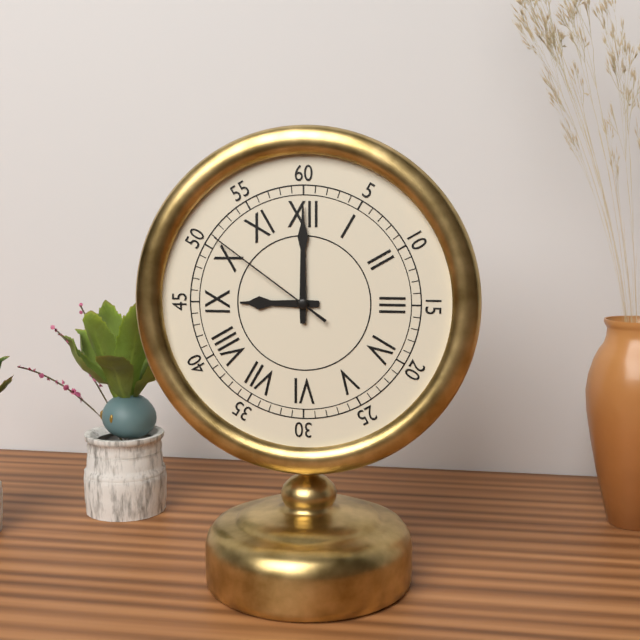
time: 9:00:51
